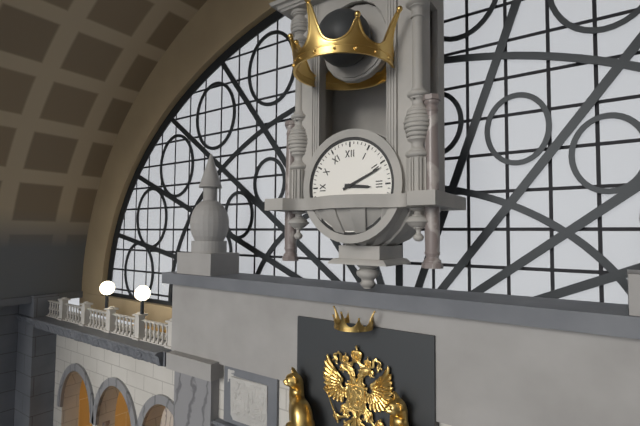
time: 3:11
